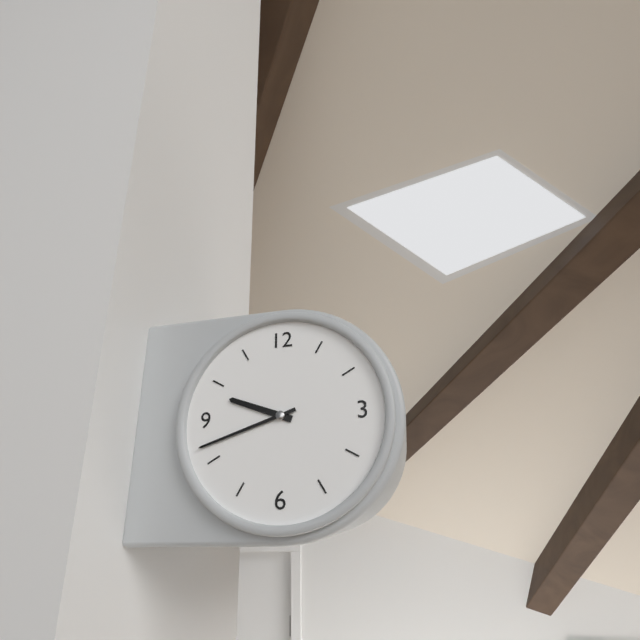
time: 9:42
